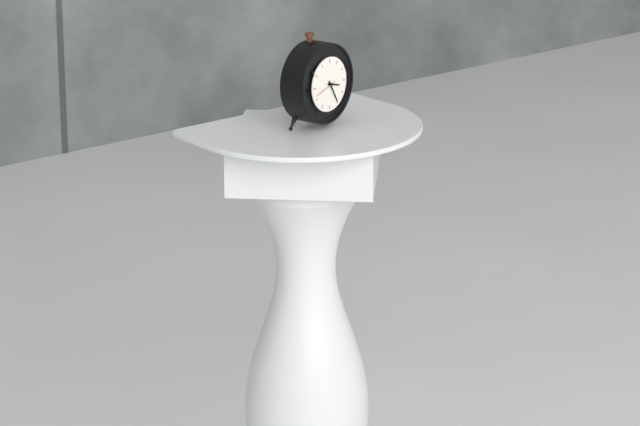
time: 3:25
